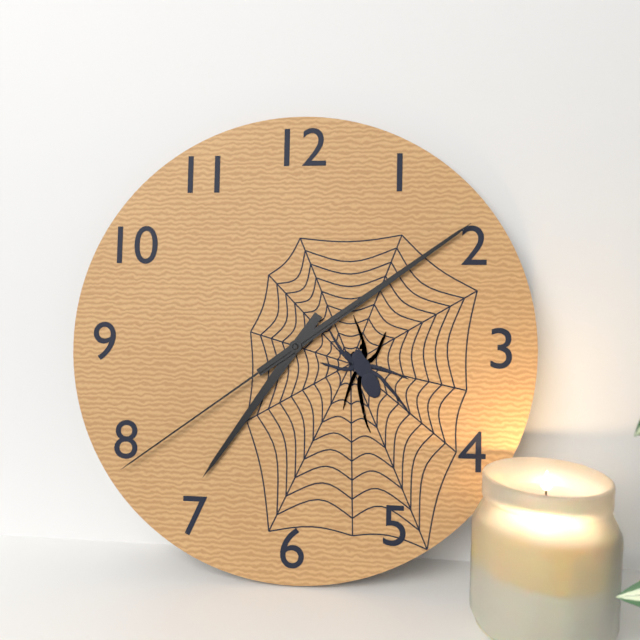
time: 7:09:39
